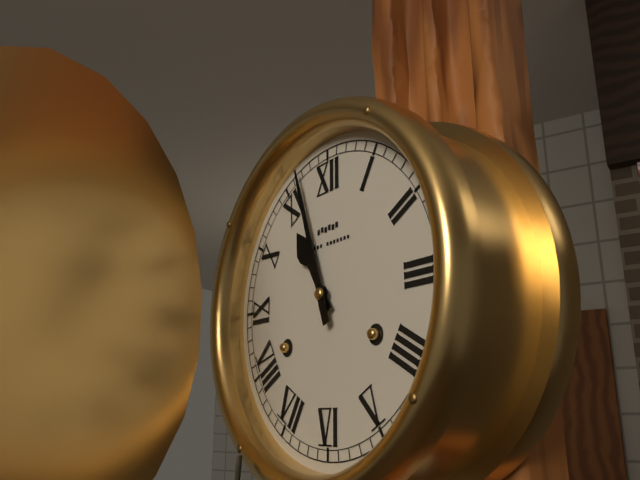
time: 10:57
